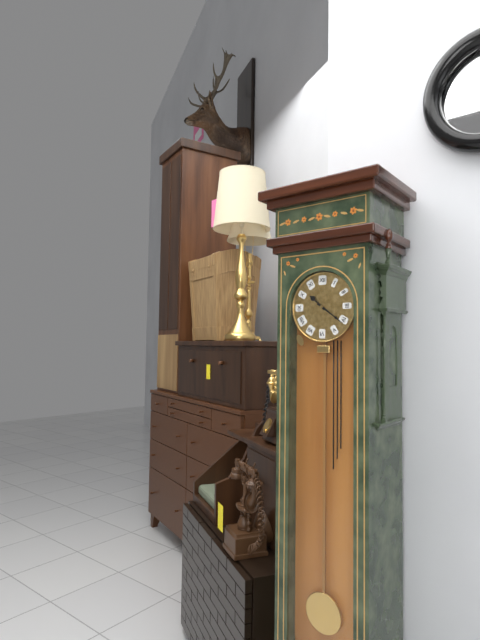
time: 10:21
